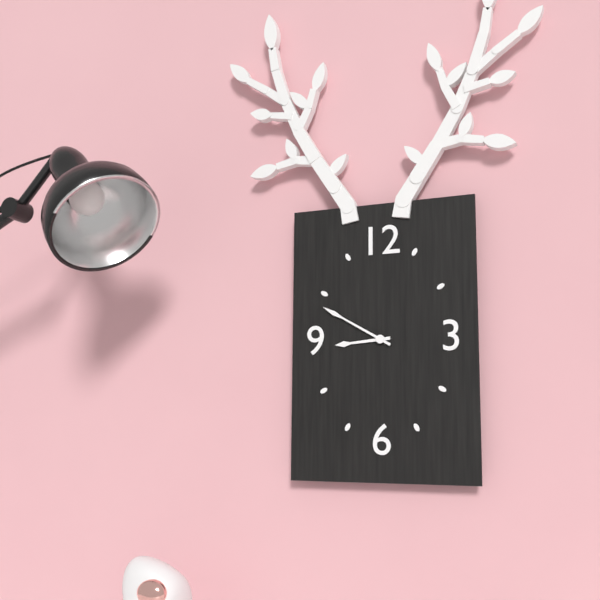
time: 8:50
